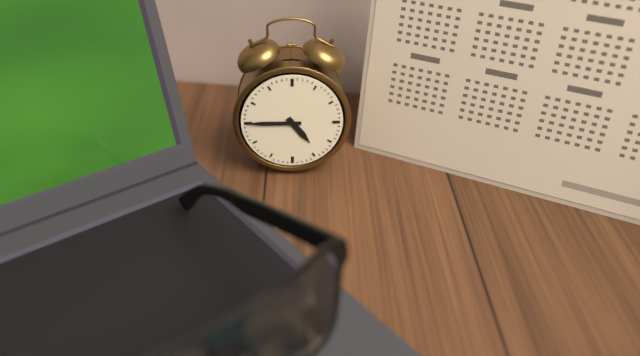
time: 4:45
